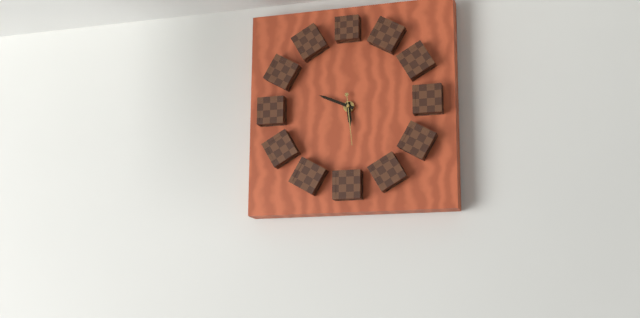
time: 5:49
